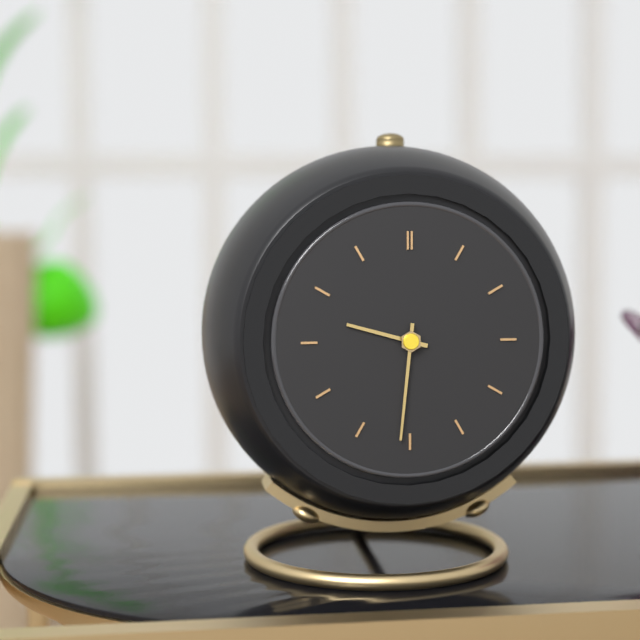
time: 9:31
